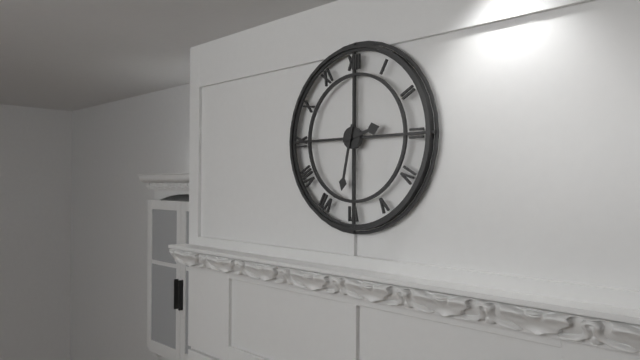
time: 2:32
